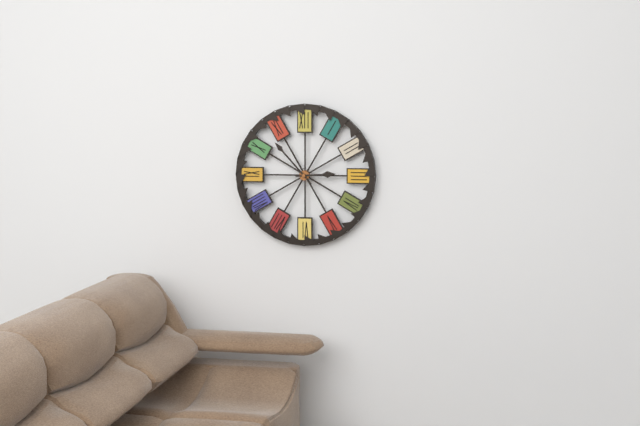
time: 2:53
